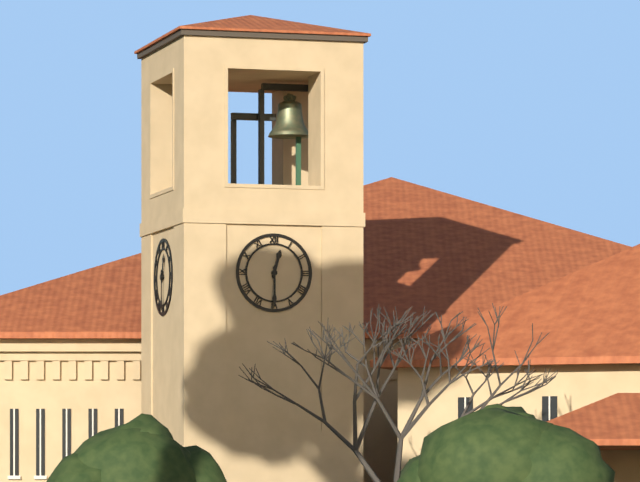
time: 12:30
